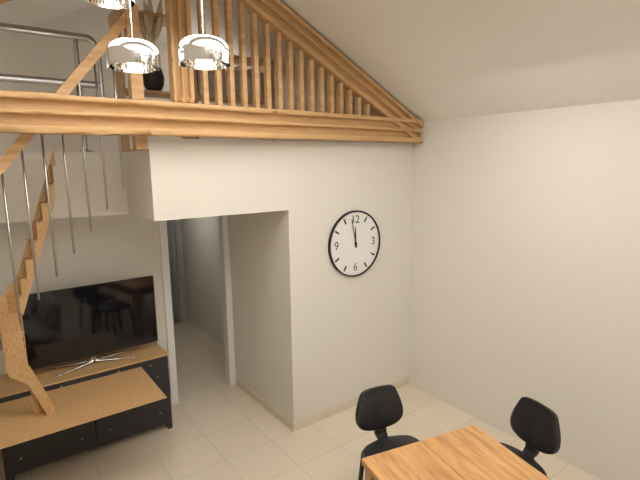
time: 11:58
